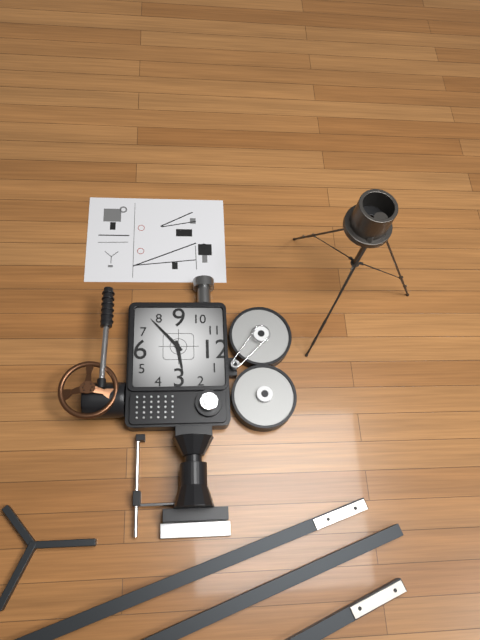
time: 2:38
